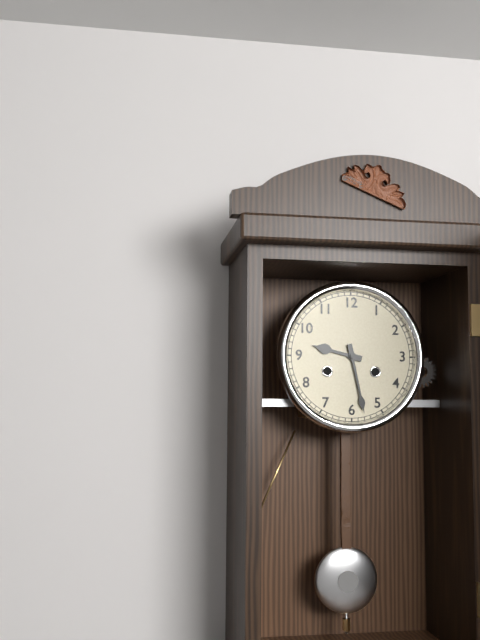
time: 9:28
